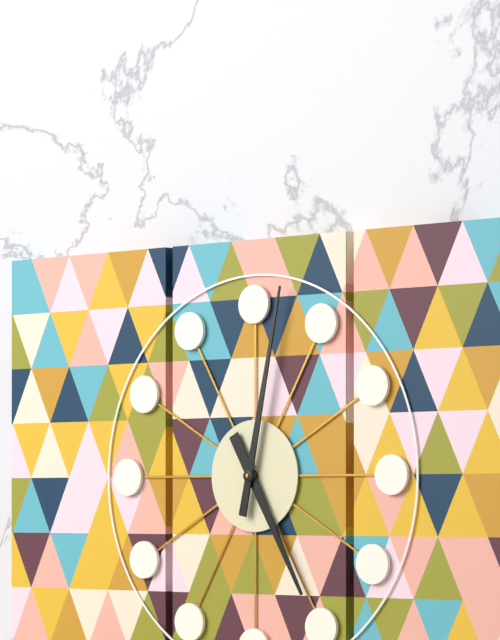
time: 5:02
